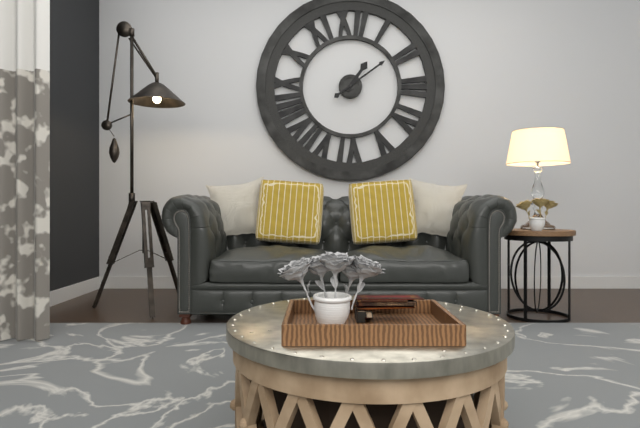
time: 1:09
